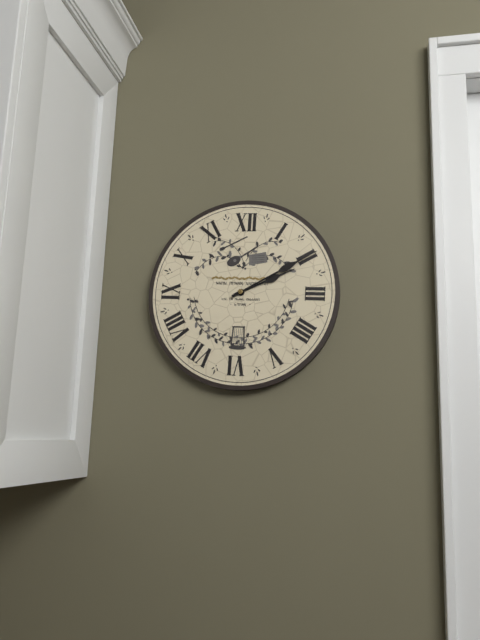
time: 2:10
